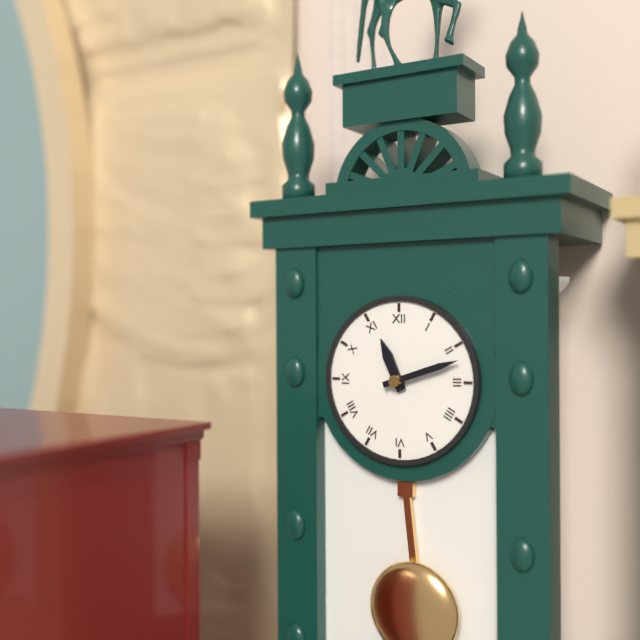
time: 11:12
